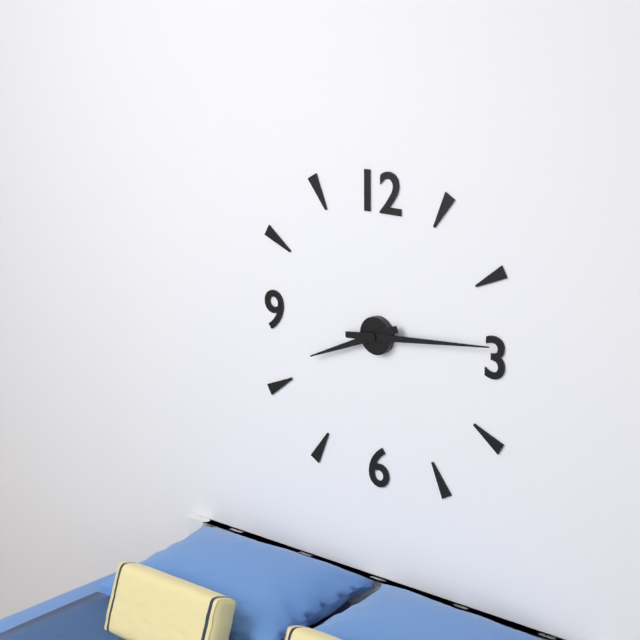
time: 8:14
